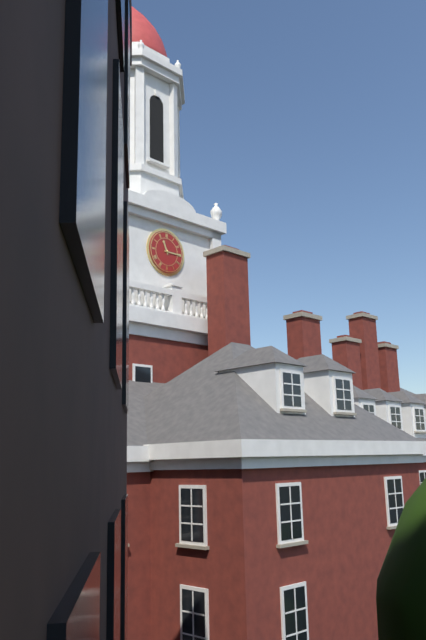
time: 11:15
